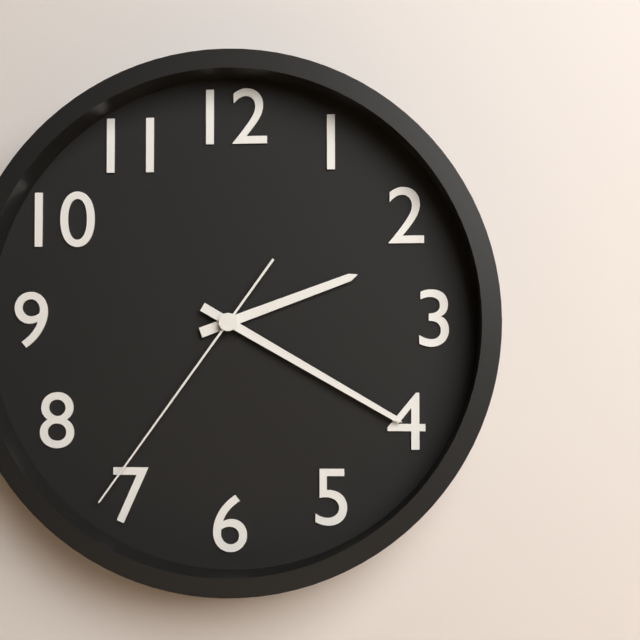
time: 2:20:36
